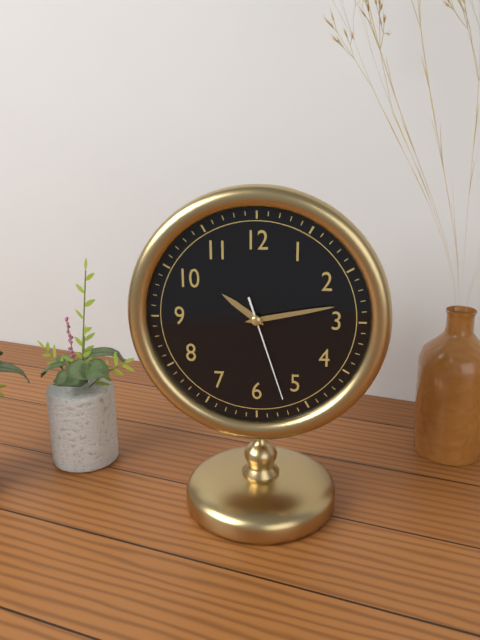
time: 10:13:27
